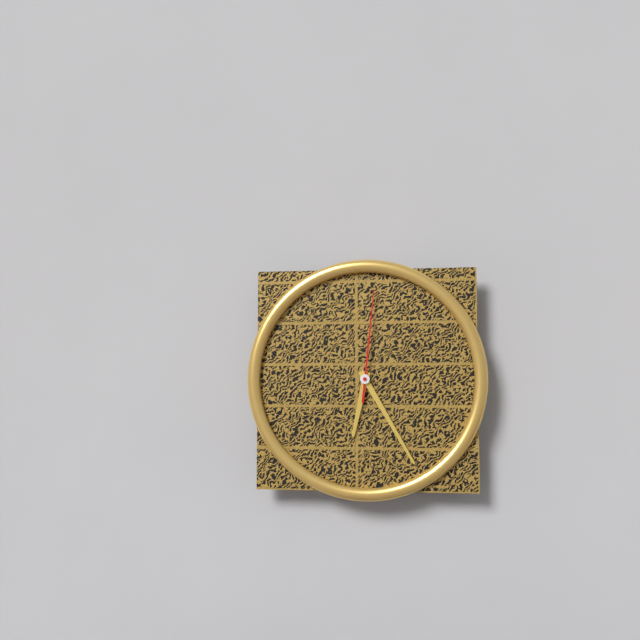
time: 6:25:01
